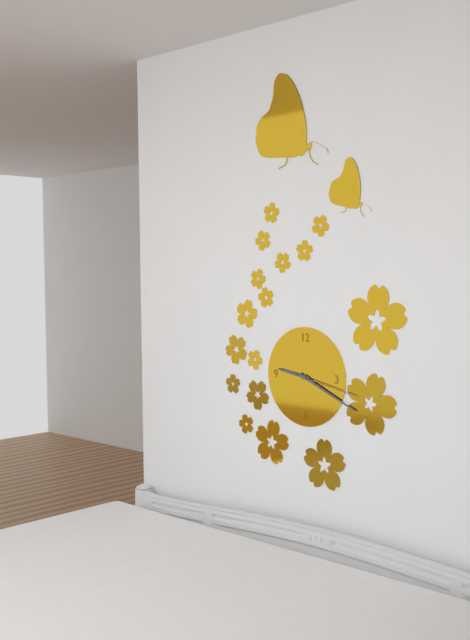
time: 9:19:17
